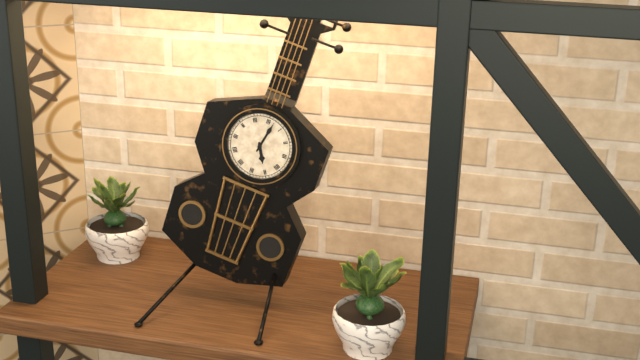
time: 5:02
